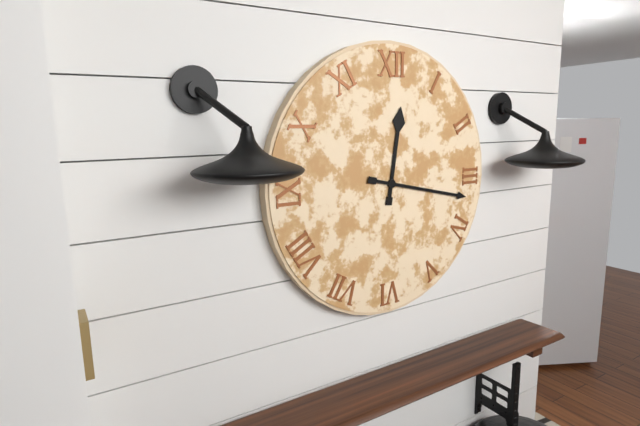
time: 12:17
